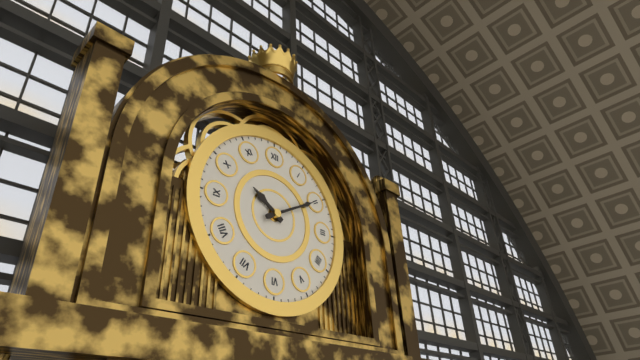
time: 10:10
